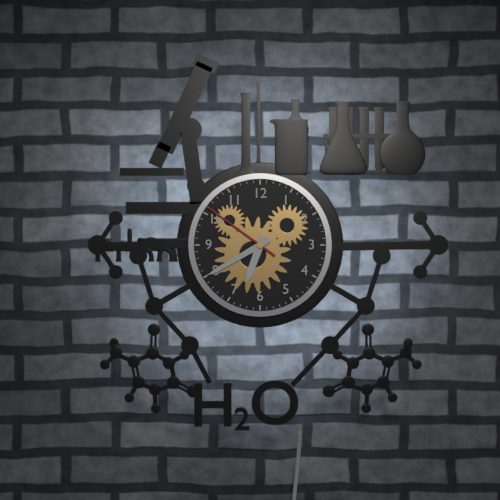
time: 6:40:51
